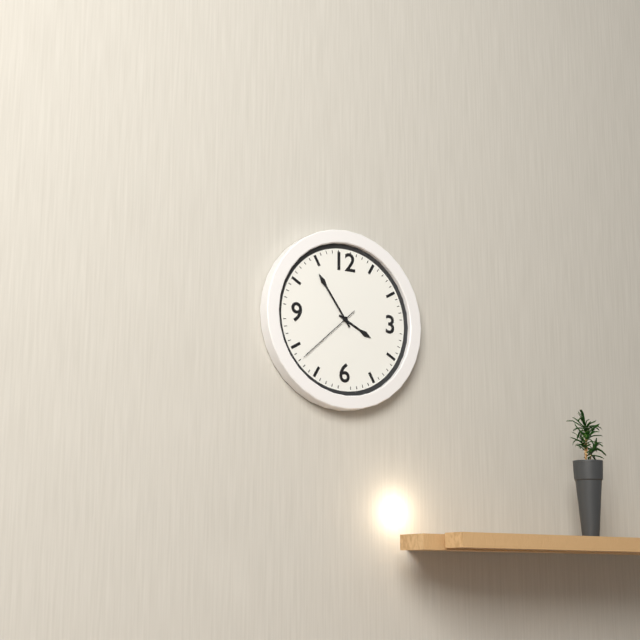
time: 3:54:38
